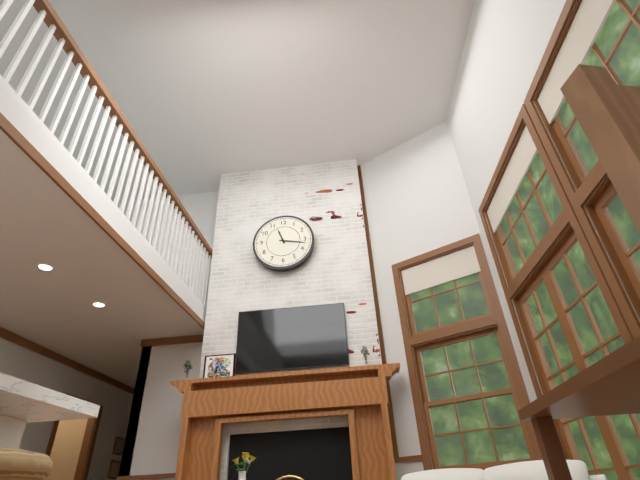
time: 11:17
